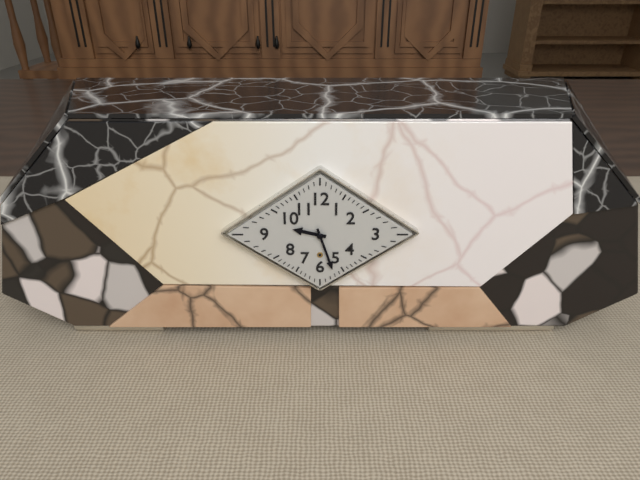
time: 9:27
